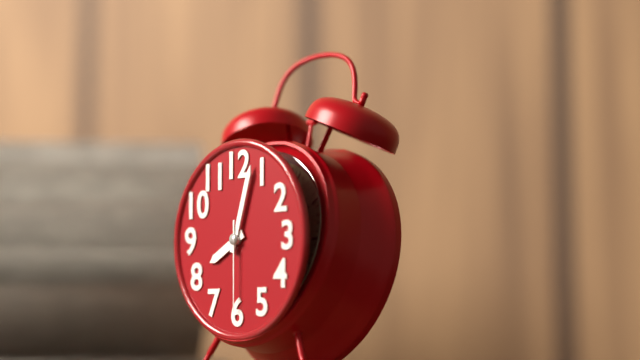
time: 8:03:30
